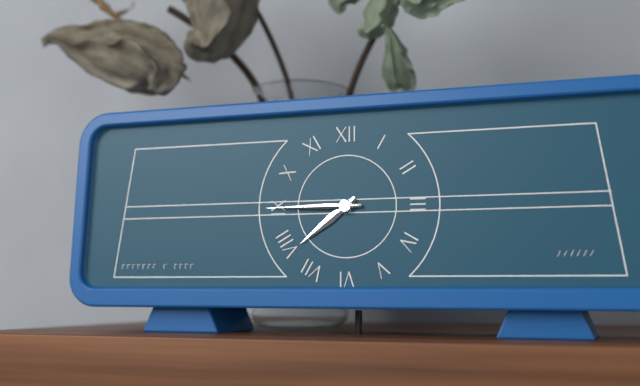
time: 7:45
